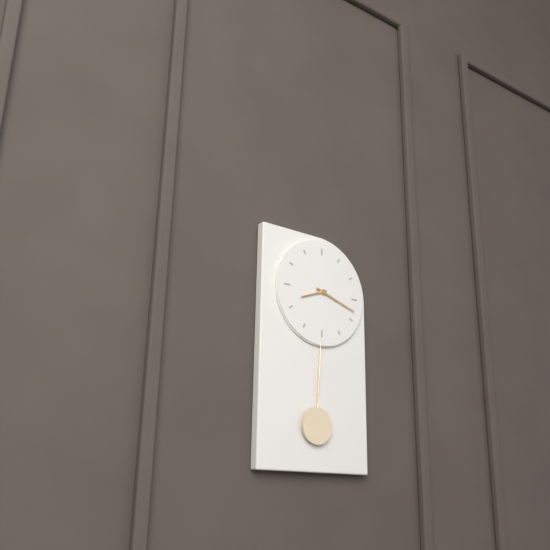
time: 8:18
